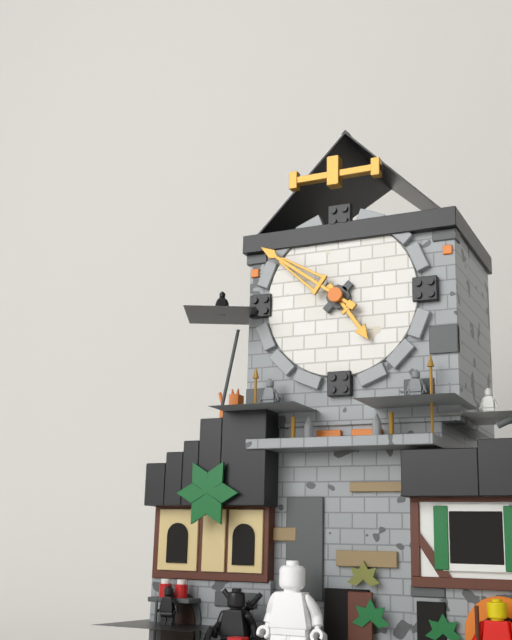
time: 4:51
